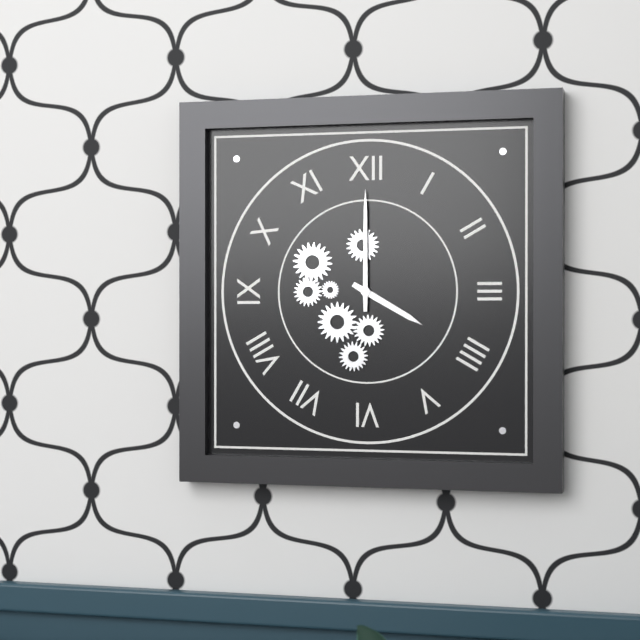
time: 4:00
